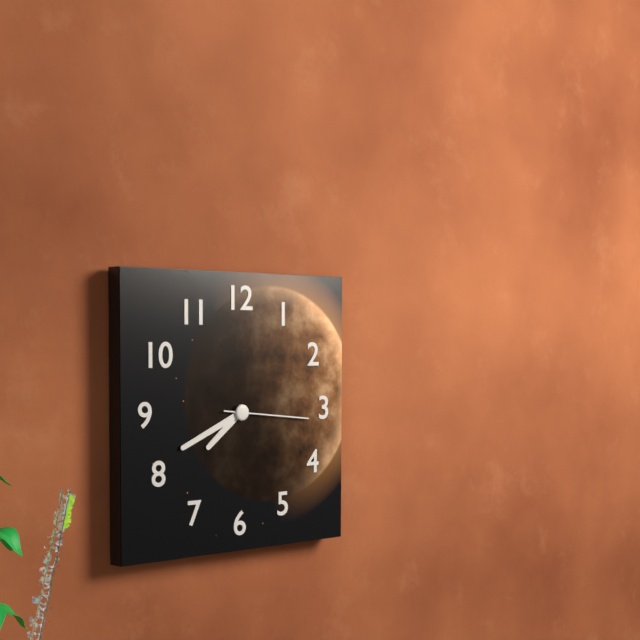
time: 7:41:16
